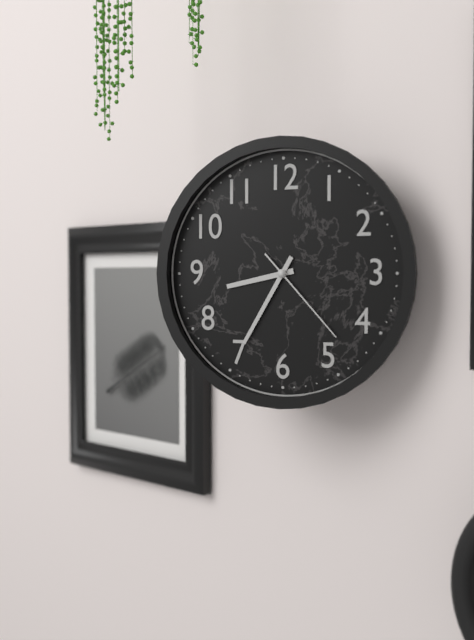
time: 8:35:23
